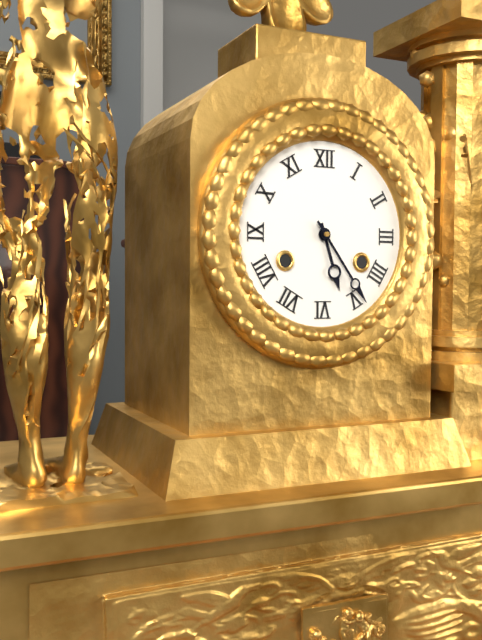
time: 5:24
